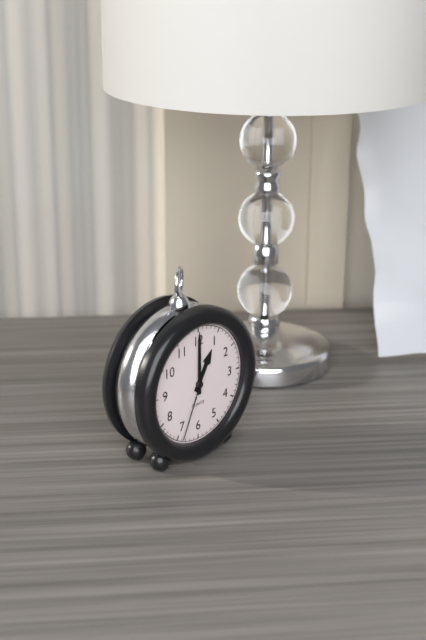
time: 1:00:34
